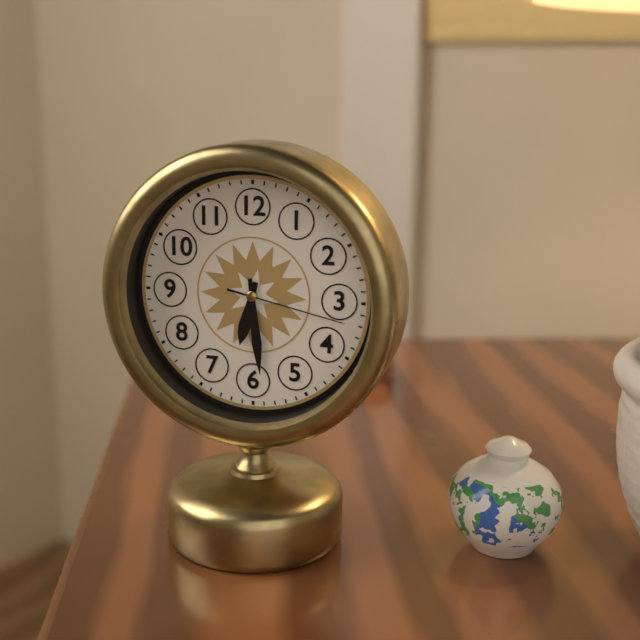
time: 6:29:17
